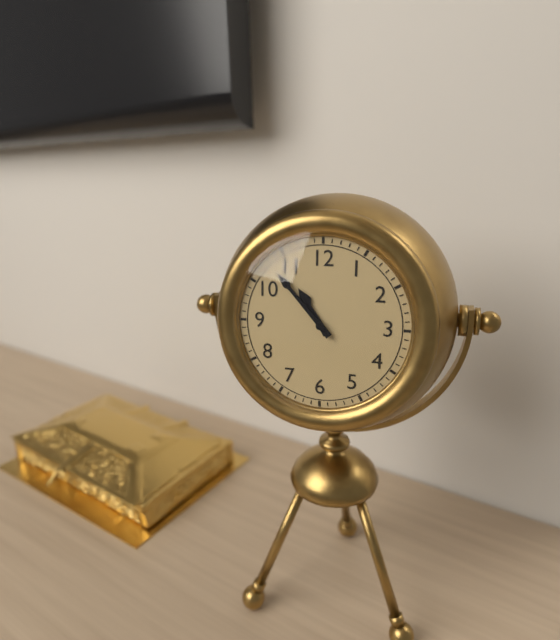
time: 10:53
